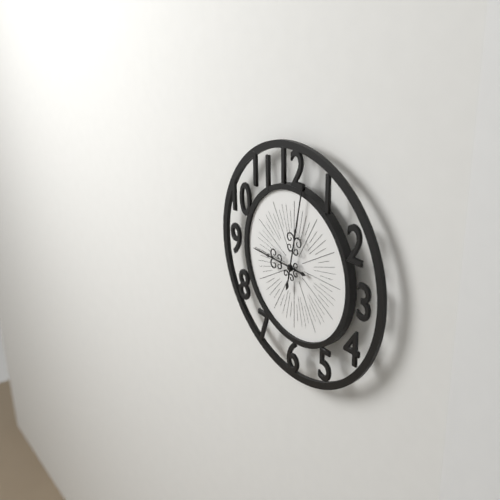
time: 9:02
